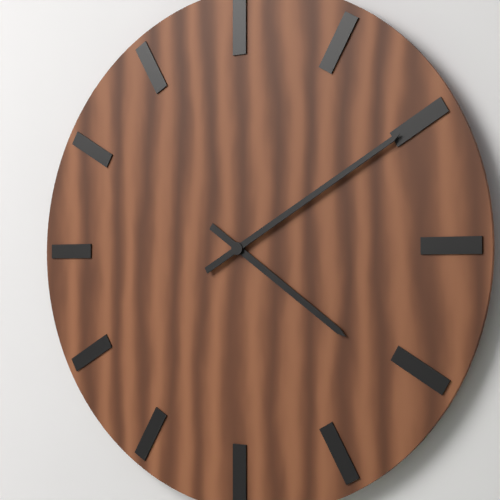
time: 4:10
